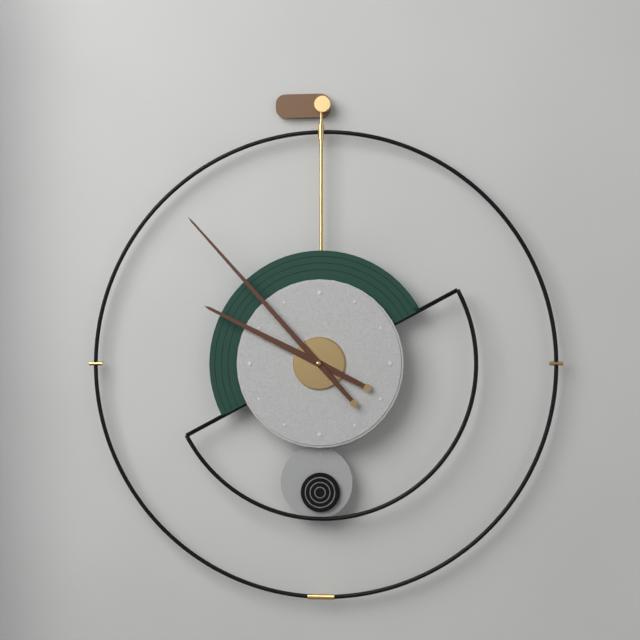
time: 9:53
